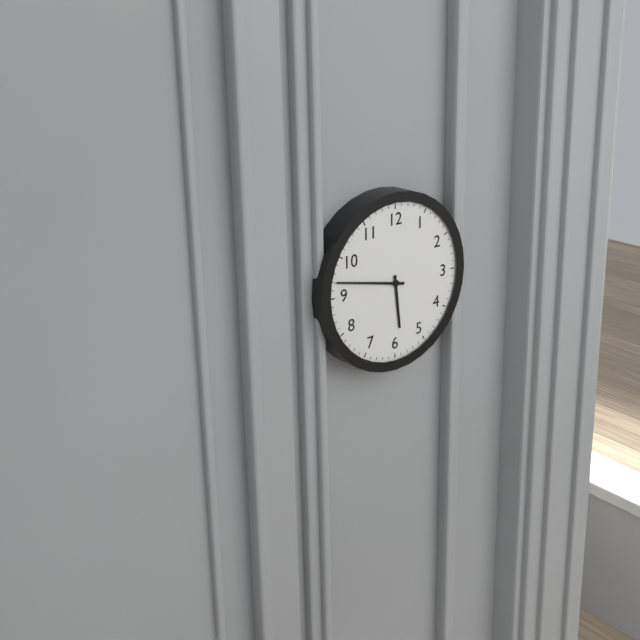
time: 5:47
